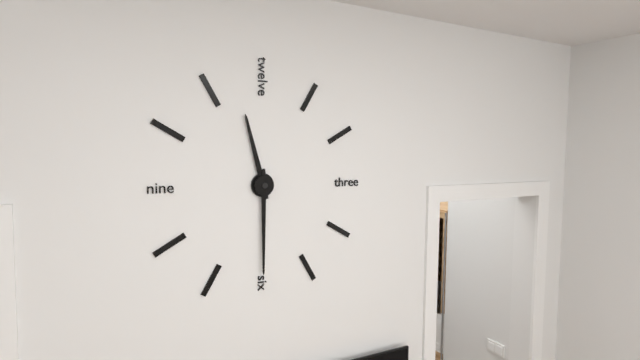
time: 11:30
